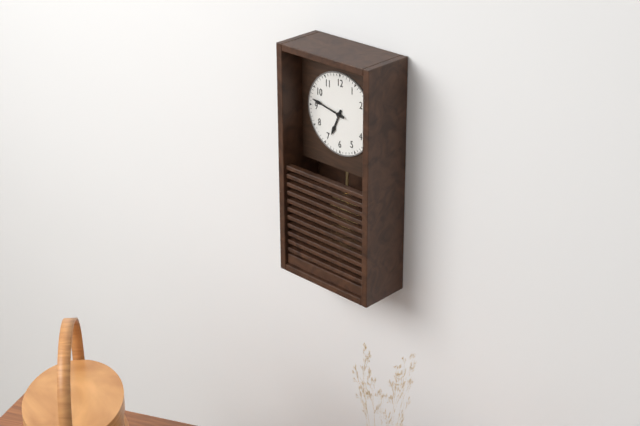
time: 6:47
